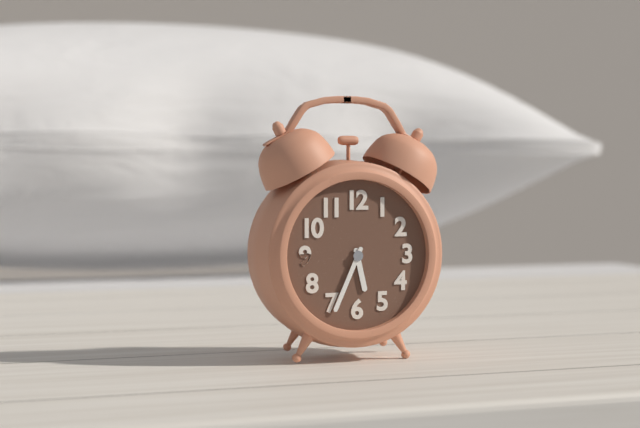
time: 5:34
